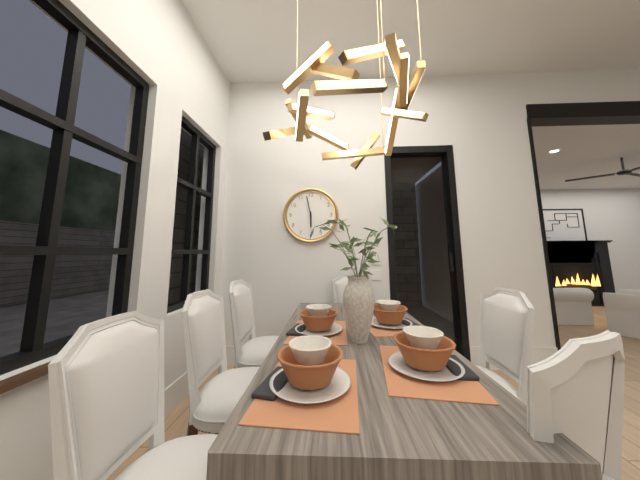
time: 5:58
